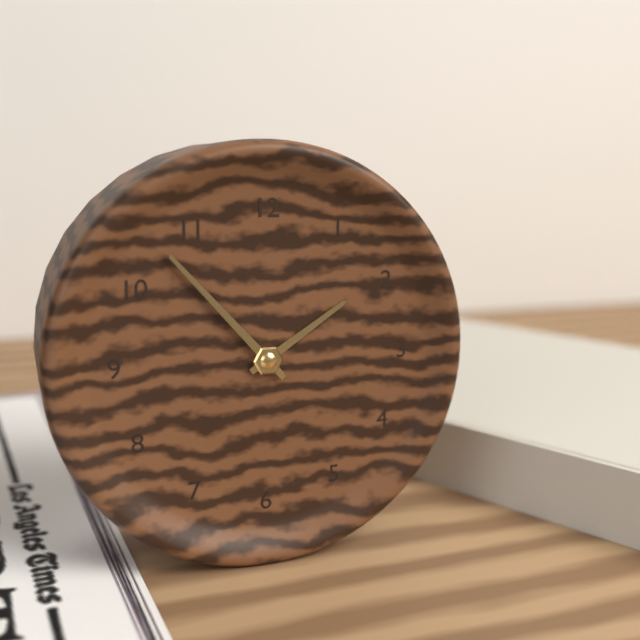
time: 1:53
